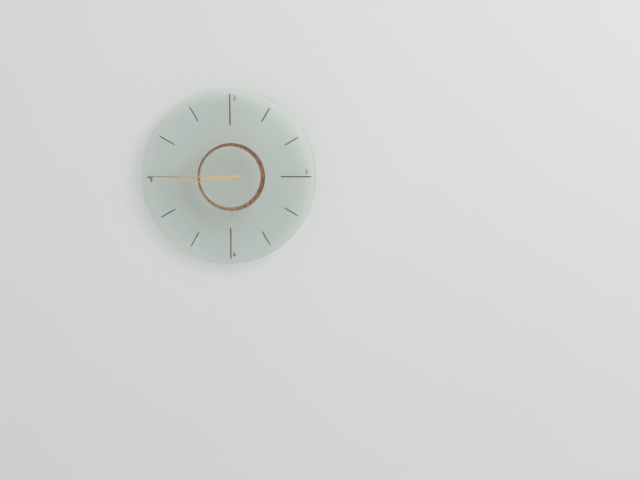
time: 8:45
